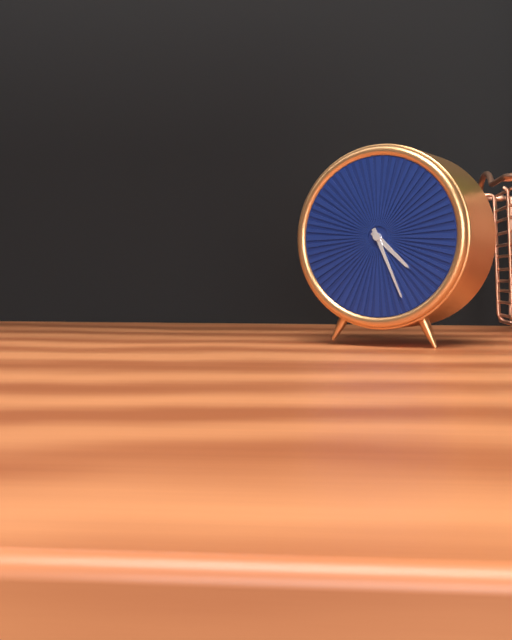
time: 4:26
